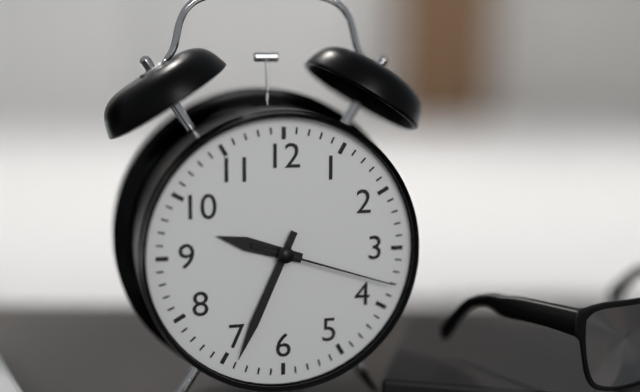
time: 9:34:18
